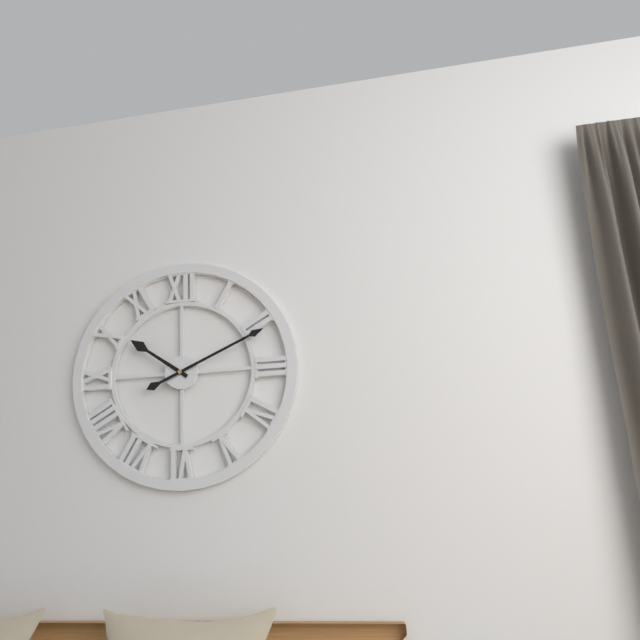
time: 10:11
